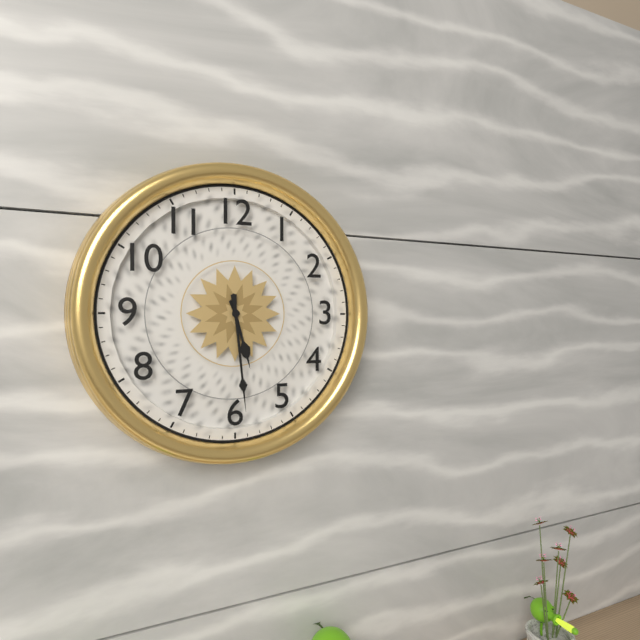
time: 5:29
